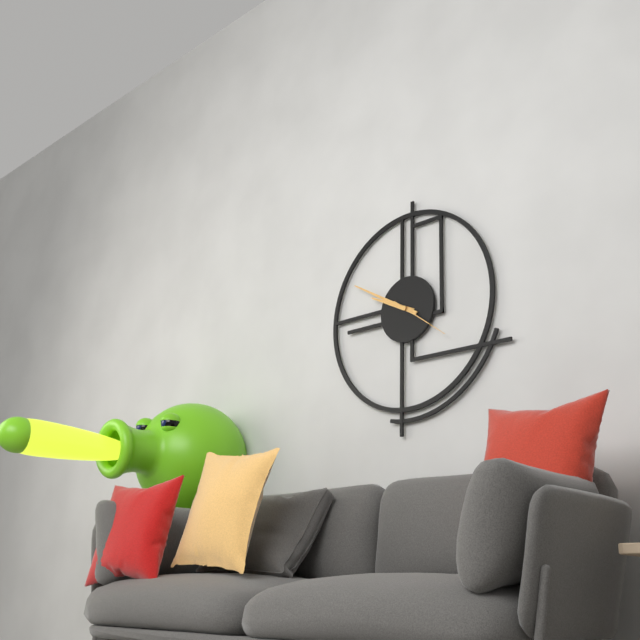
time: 9:50:21
